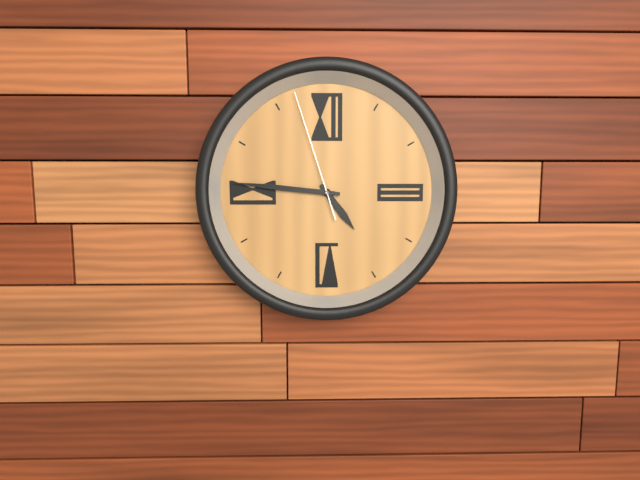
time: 4:46:57
